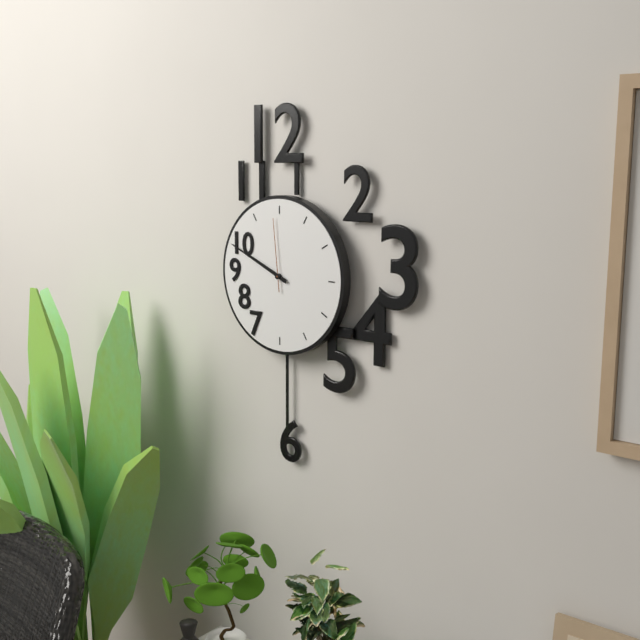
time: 9:49:59
